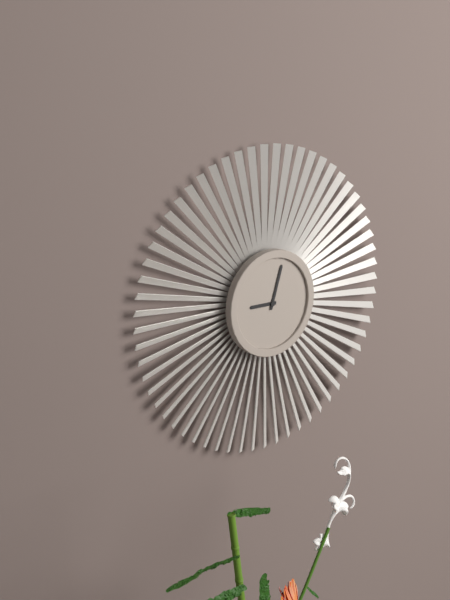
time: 9:03
